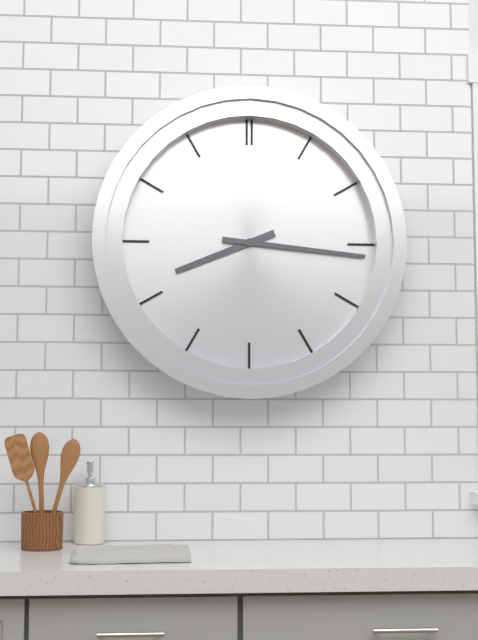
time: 8:16
